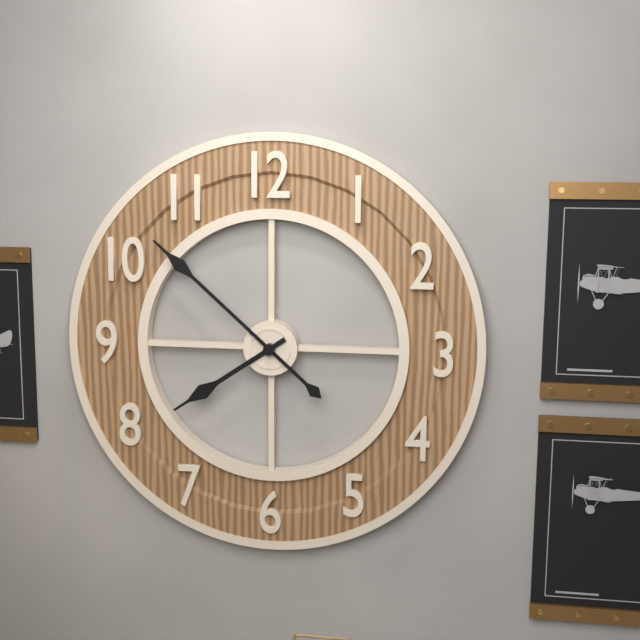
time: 7:52
